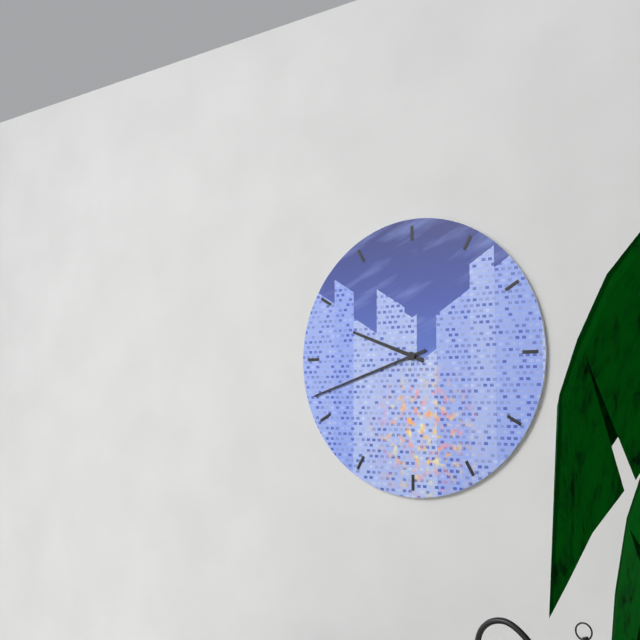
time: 9:42
